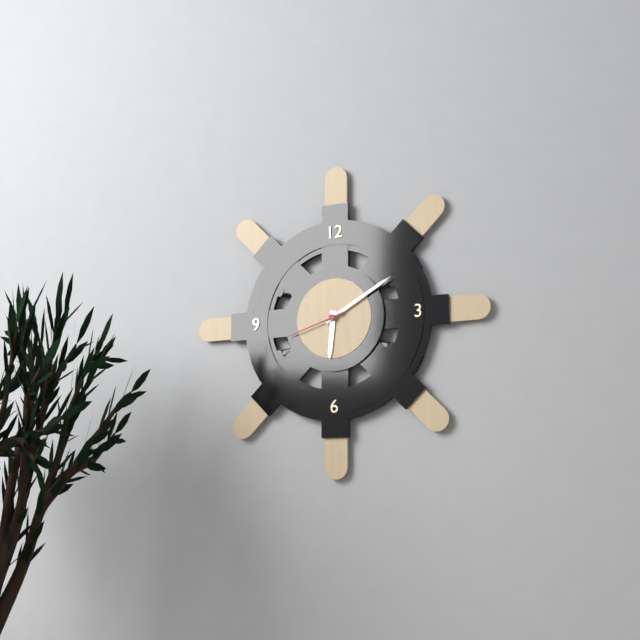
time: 6:10:42
